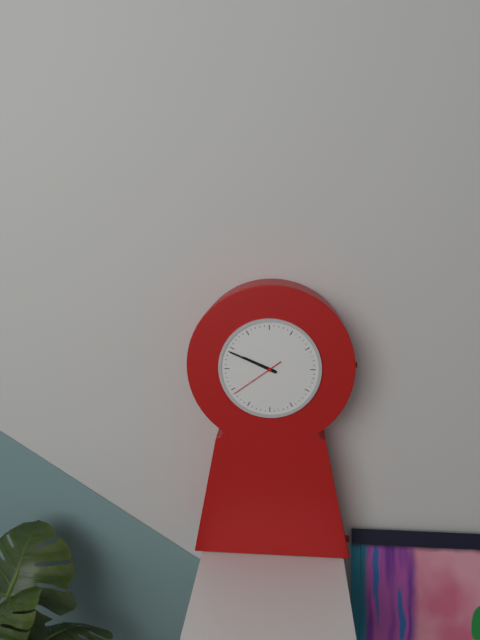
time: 9:49:39
